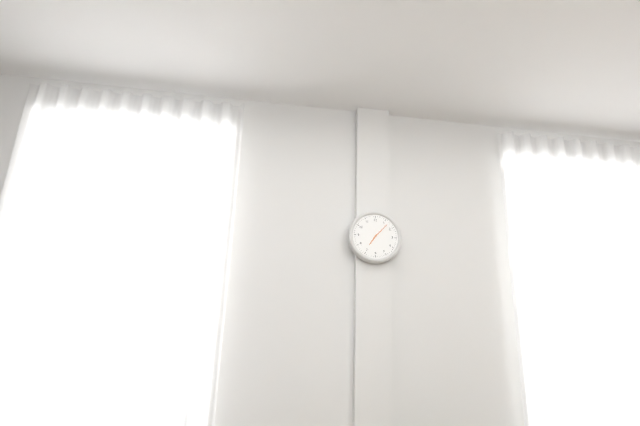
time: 7:07
